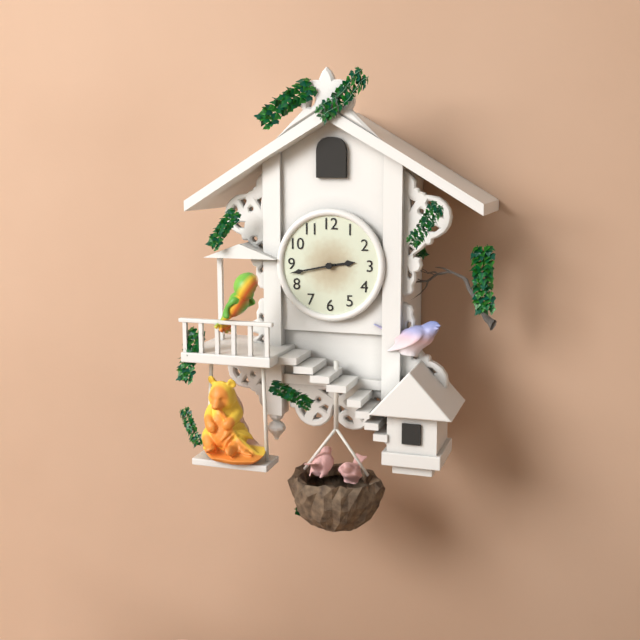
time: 2:43
